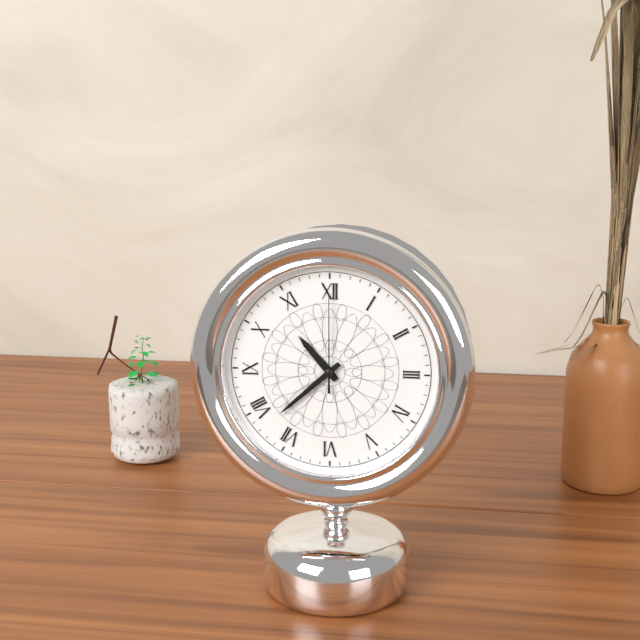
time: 10:38:00
